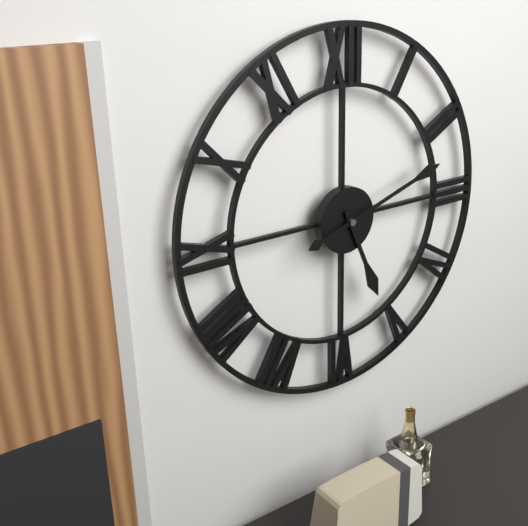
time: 5:12
